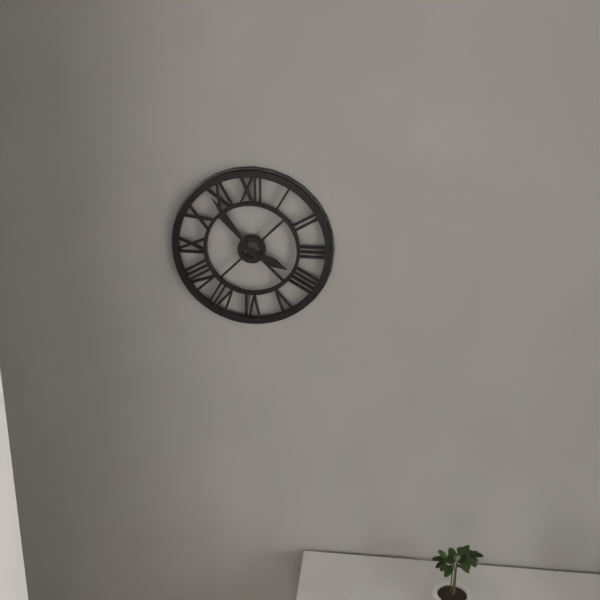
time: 3:54
